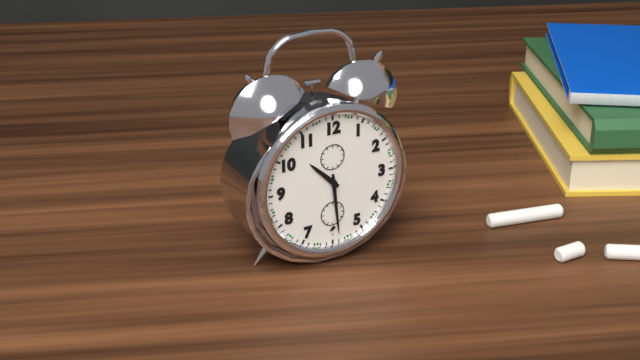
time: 10:29
